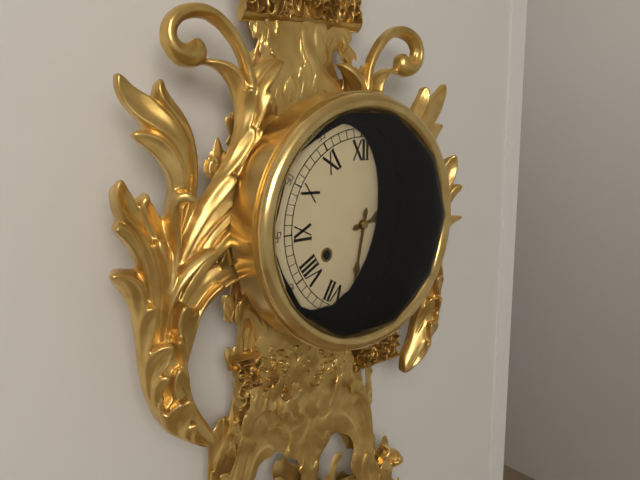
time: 2:32
